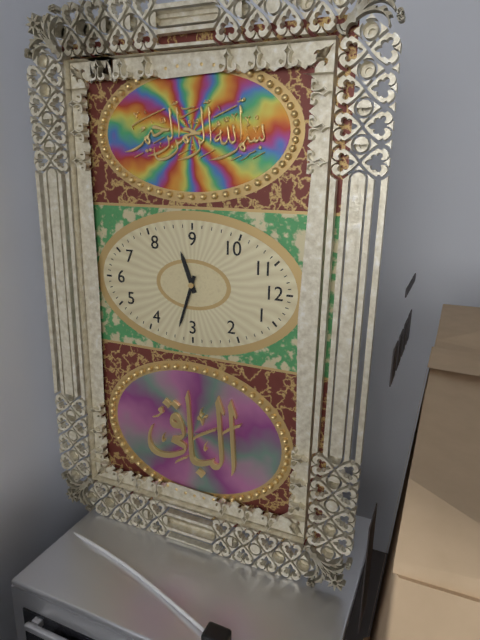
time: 8:18
